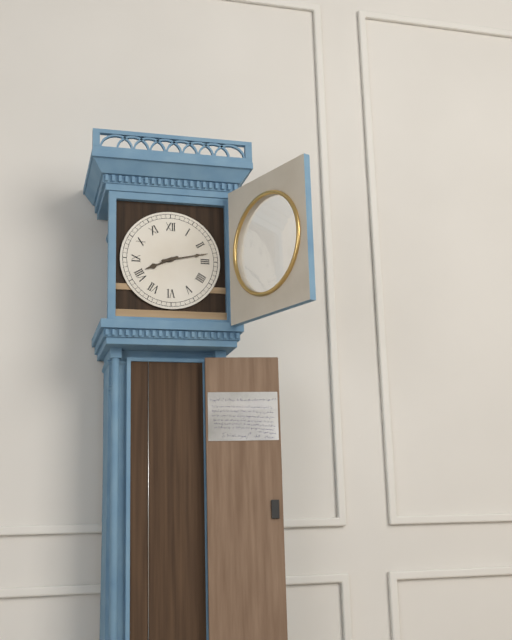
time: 8:13
